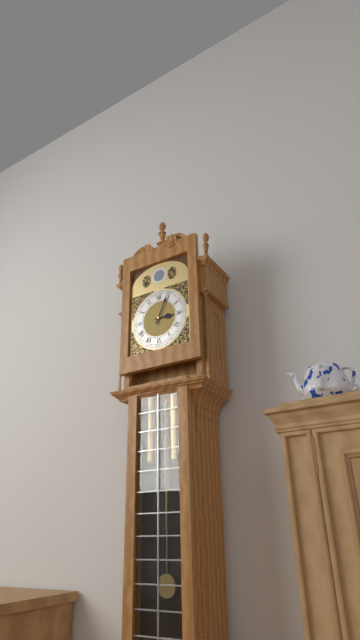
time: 3:04
